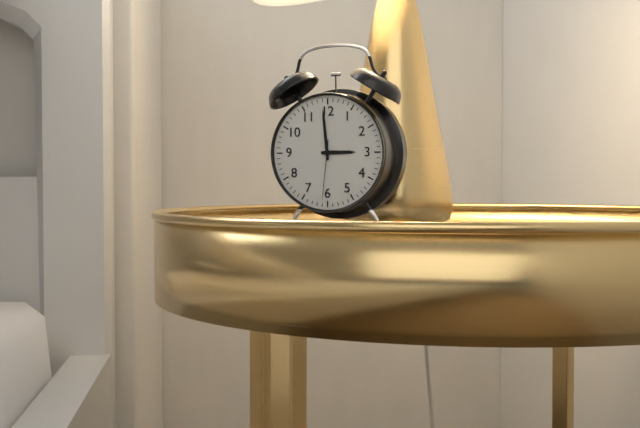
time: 2:59:31
